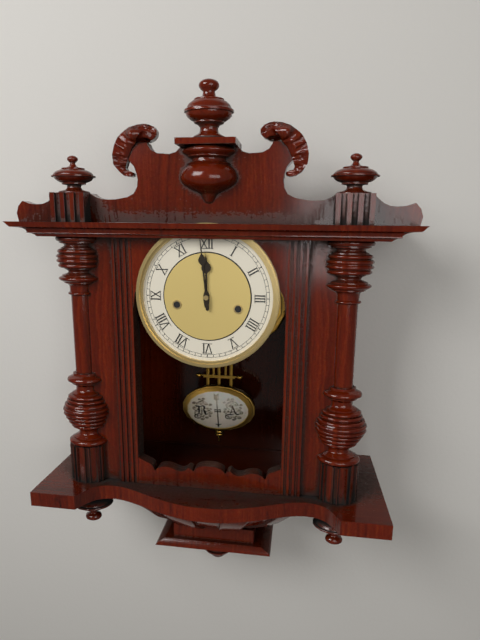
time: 11:59
